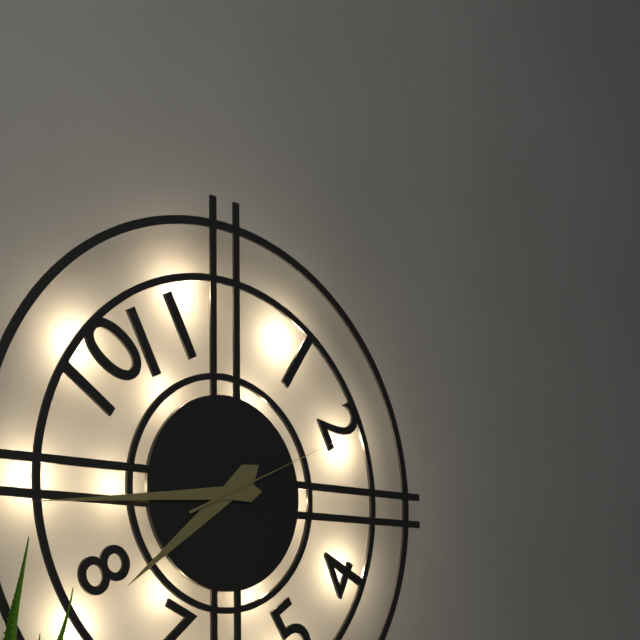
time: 7:44:11
